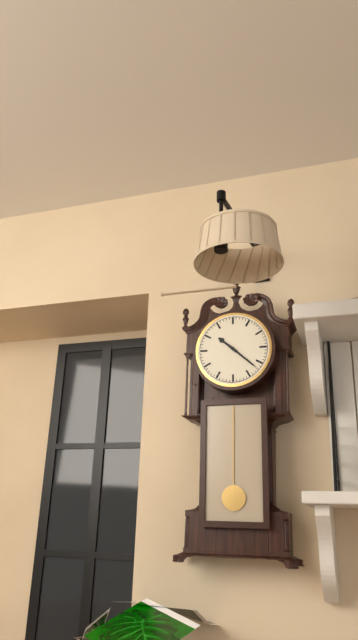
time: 10:22
